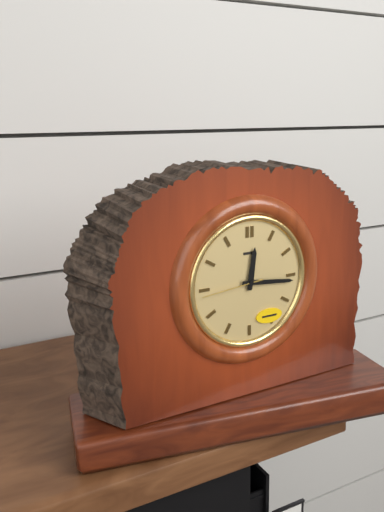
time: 12:16
